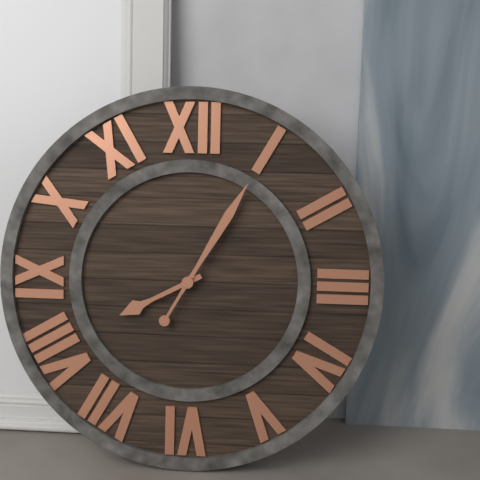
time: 8:05
